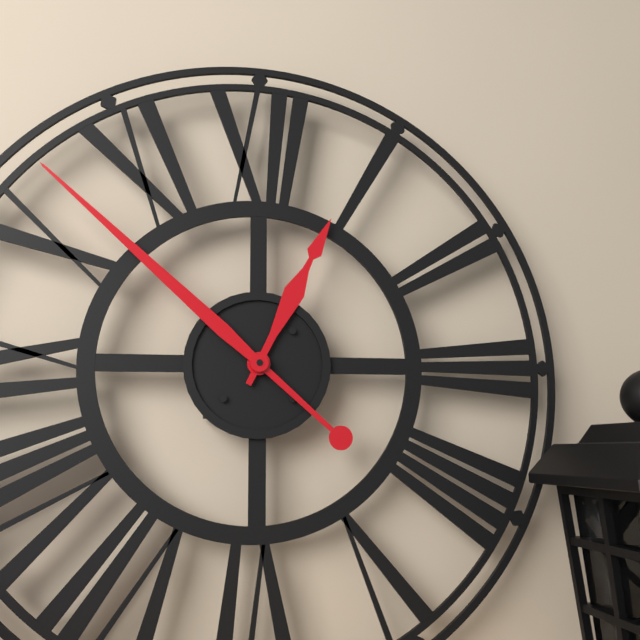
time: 12:52
